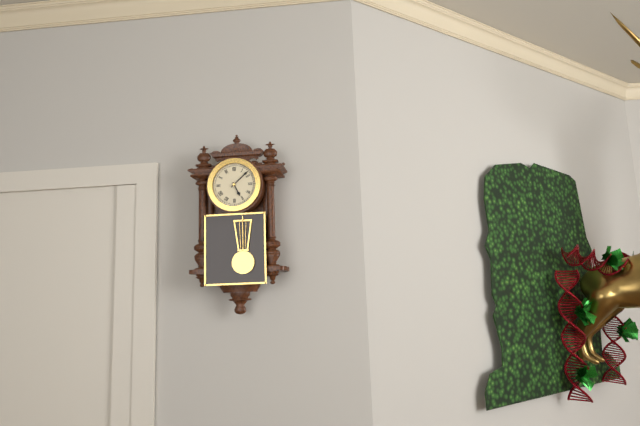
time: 5:08
